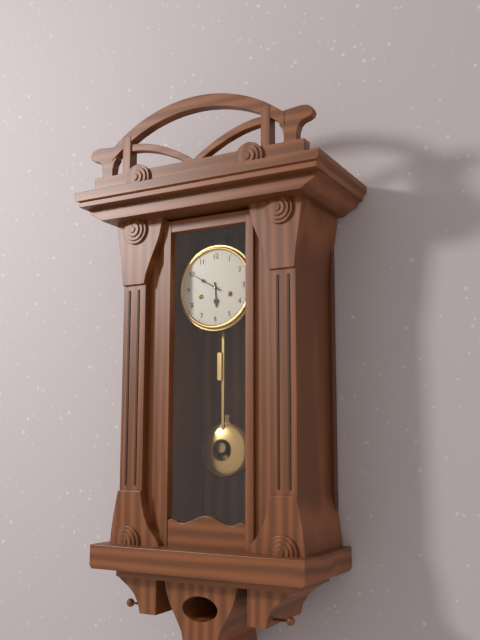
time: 5:50
